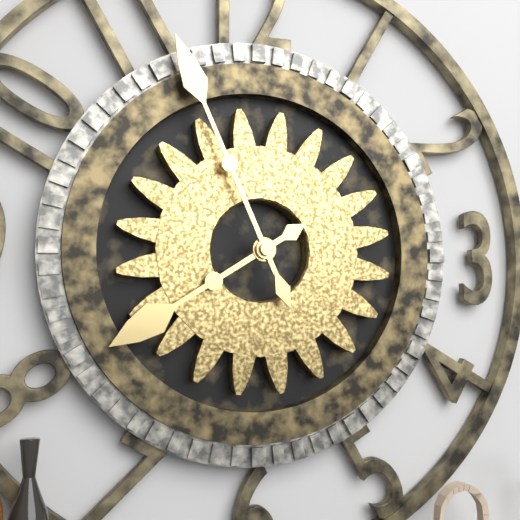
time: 7:56
